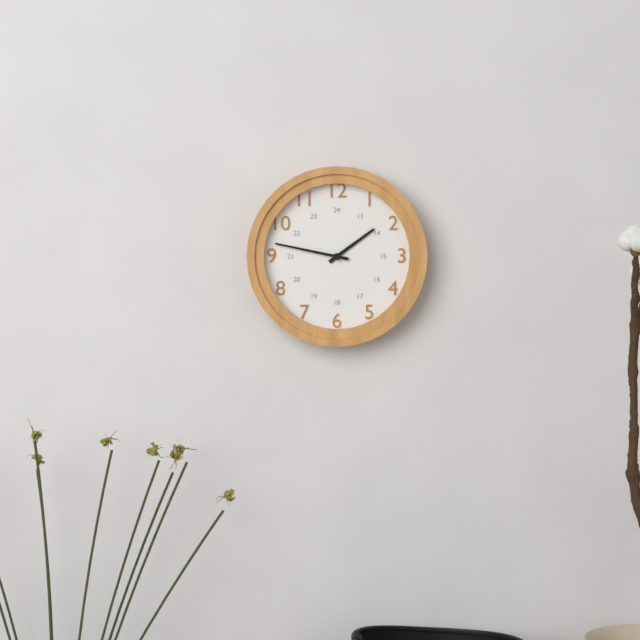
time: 1:47
